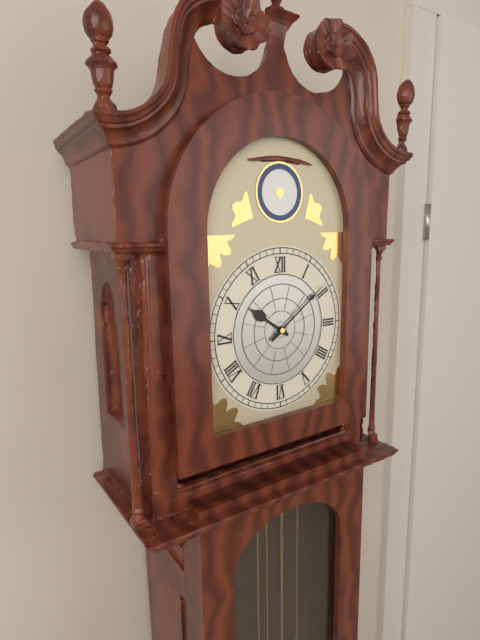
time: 10:09
